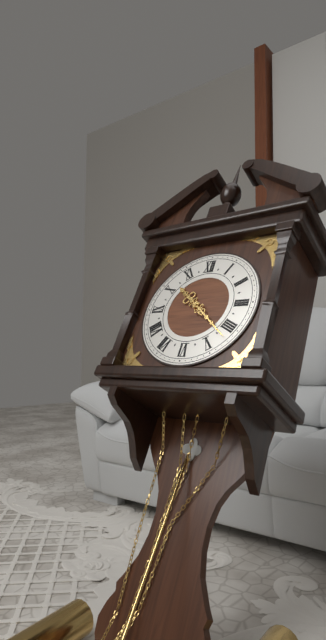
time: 10:22
